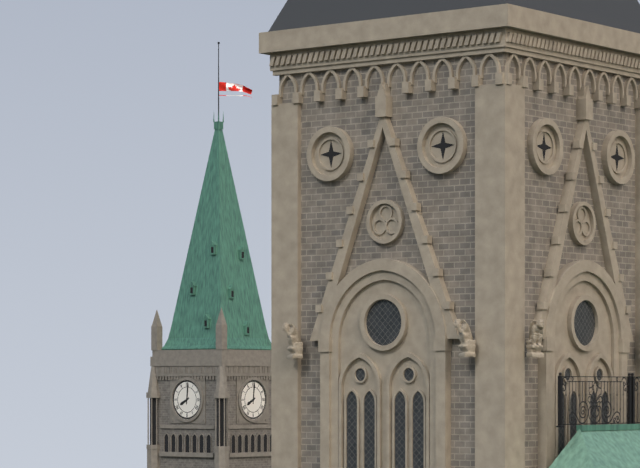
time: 8:01
